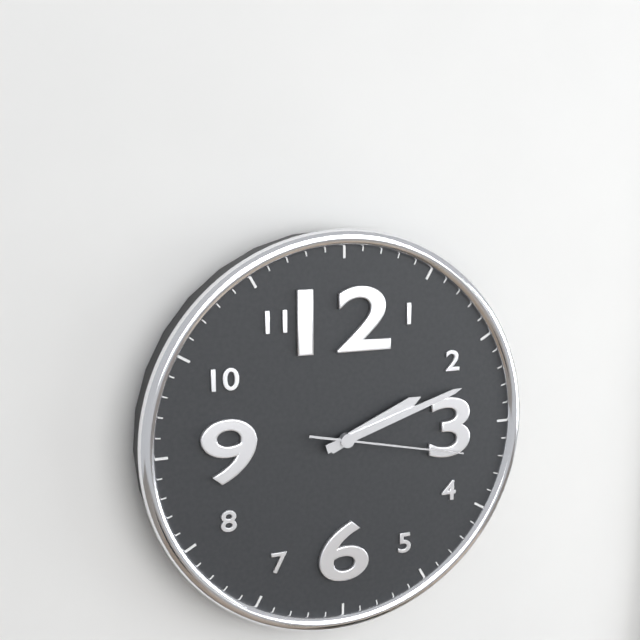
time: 2:12:17
